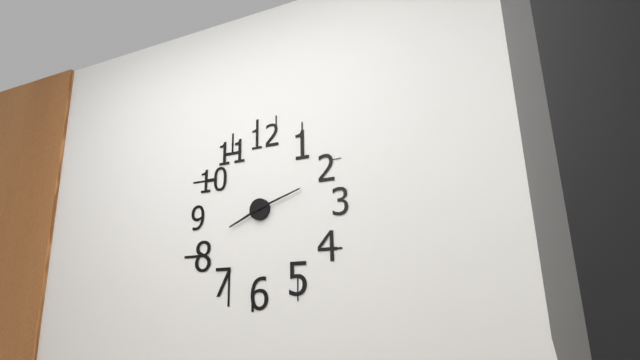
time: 8:12
